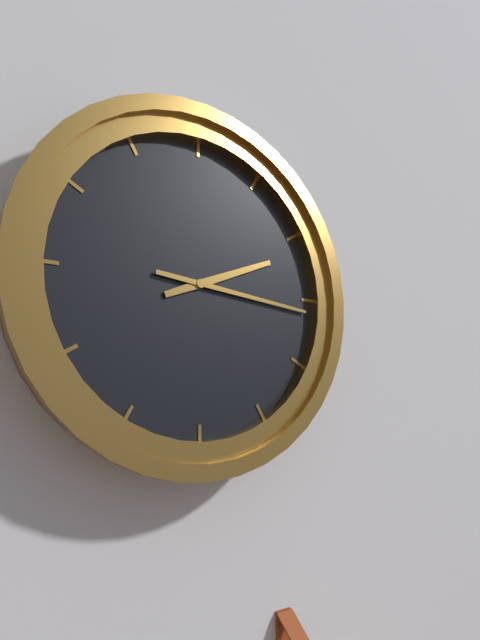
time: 2:16
